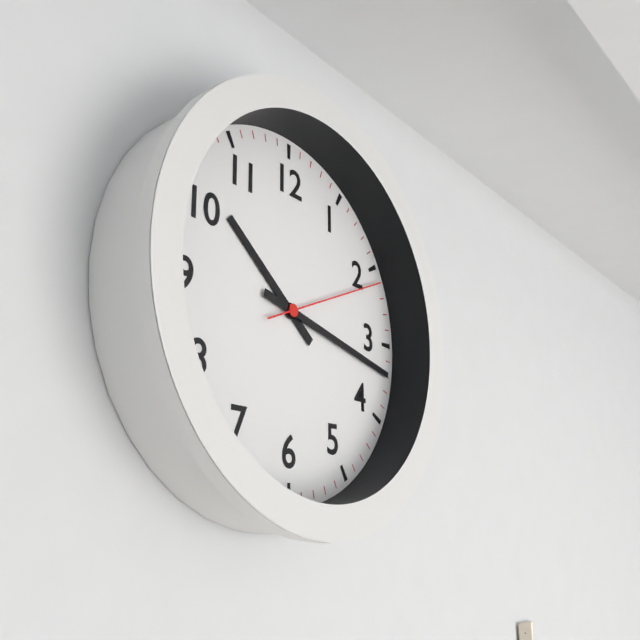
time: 10:17:11
